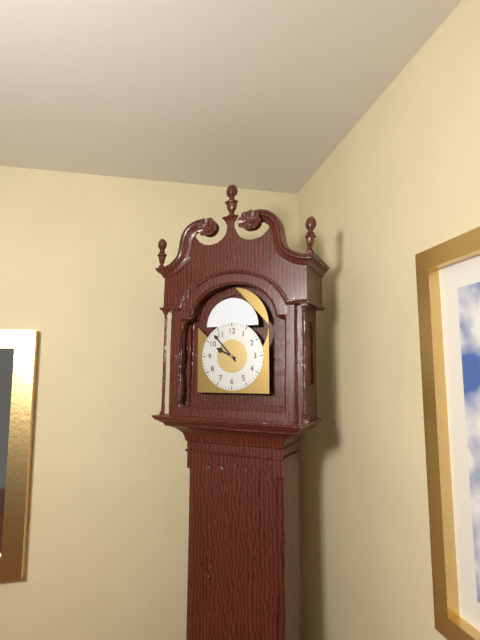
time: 9:53
